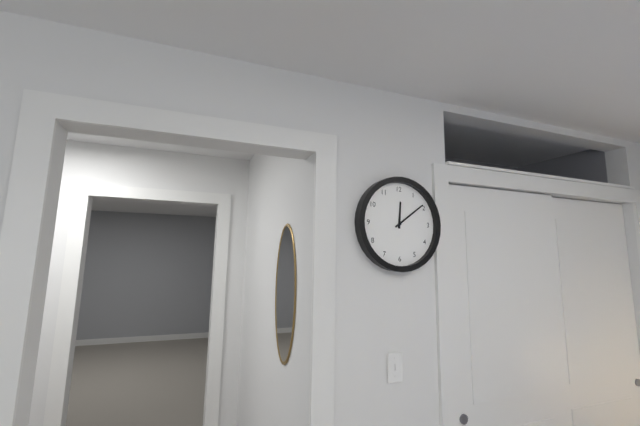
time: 12:09
